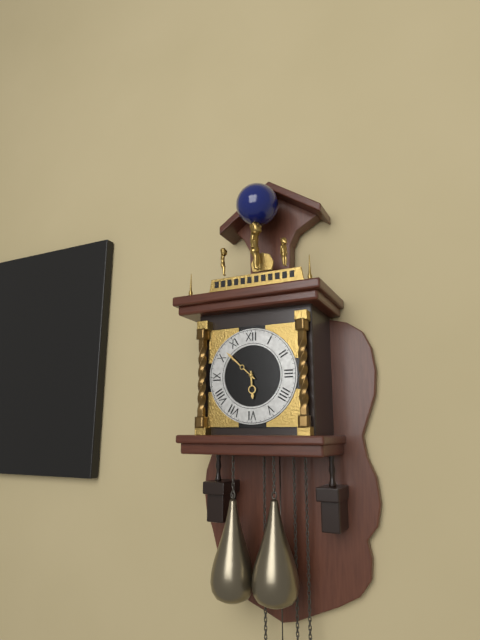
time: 5:52
